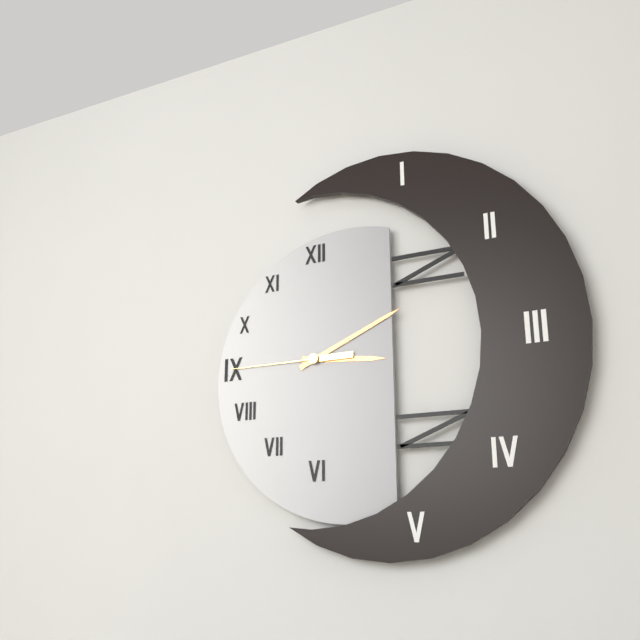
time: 3:11:45
